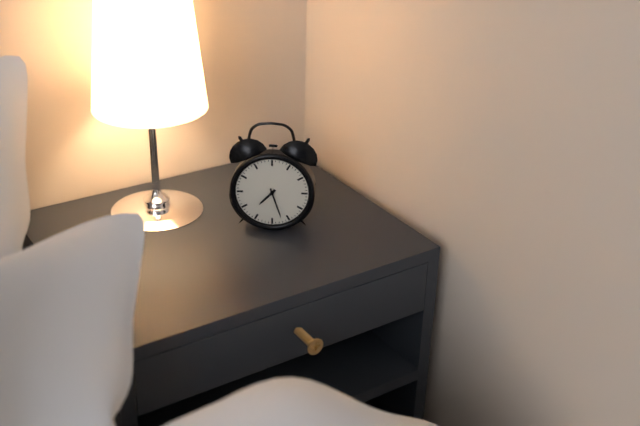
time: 7:27
